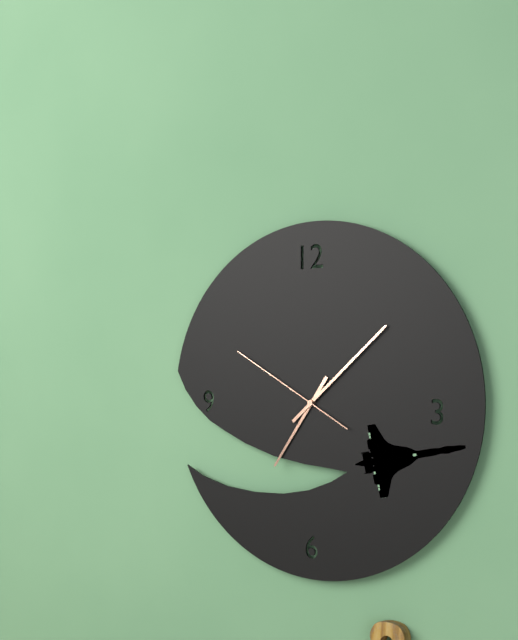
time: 7:08:50
